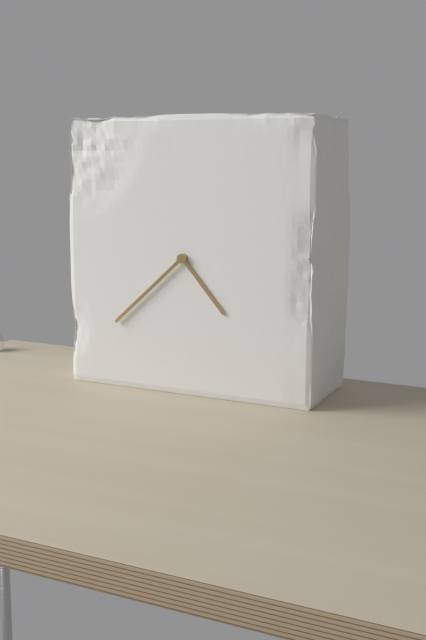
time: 4:38
